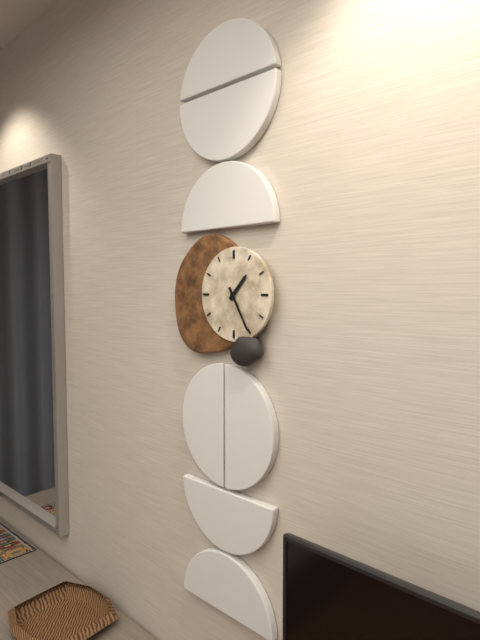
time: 1:25
